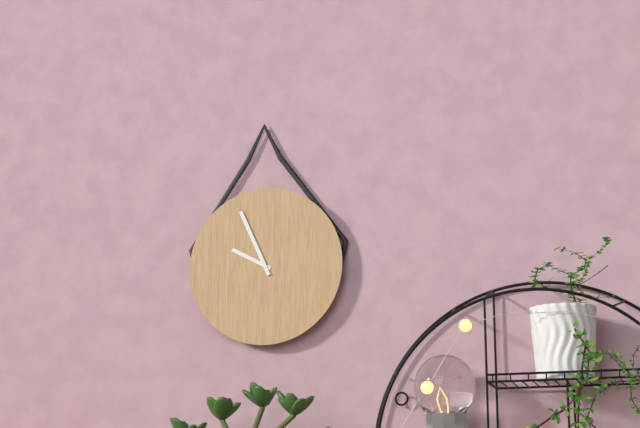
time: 9:56
